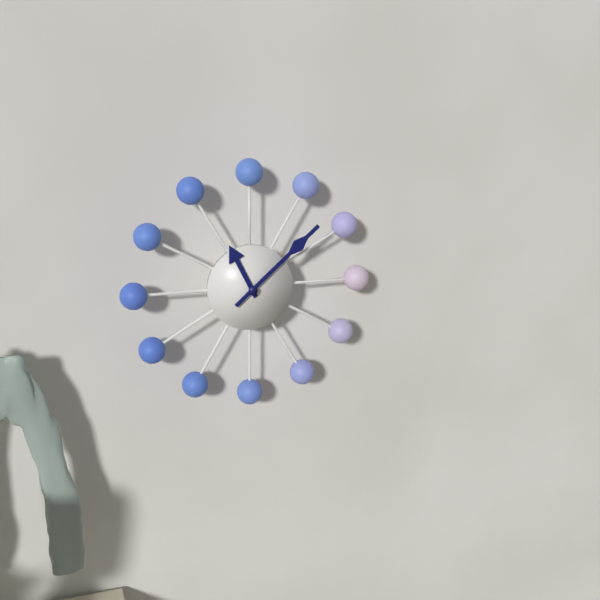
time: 11:08
